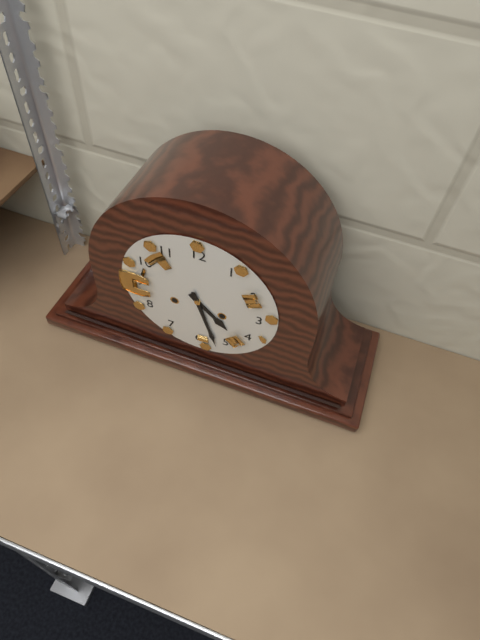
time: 4:27
